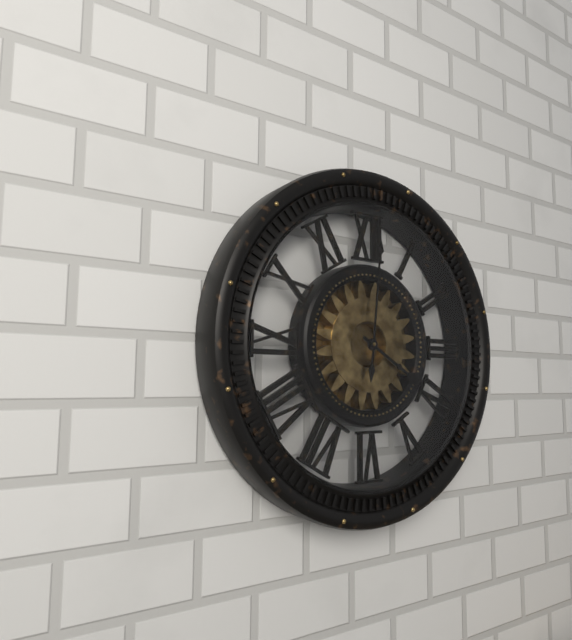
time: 4:01
